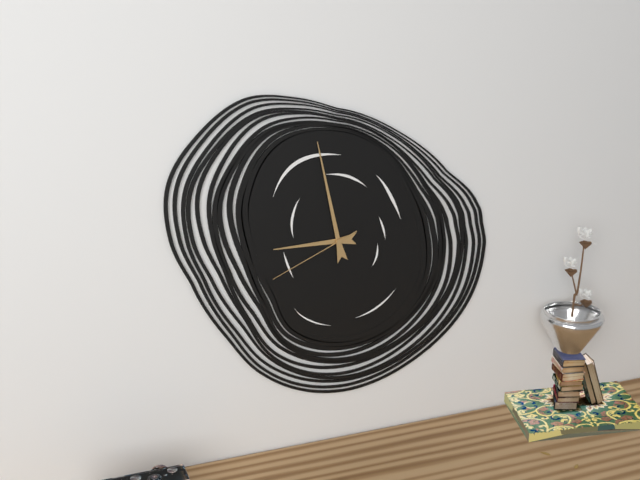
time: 8:58:41
